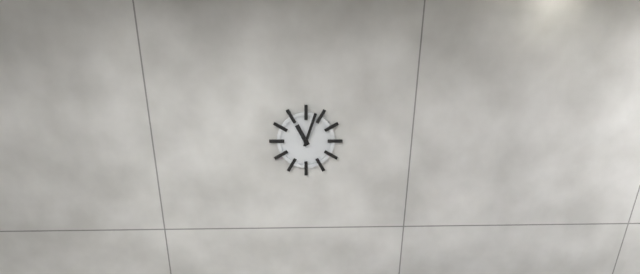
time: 11:03
